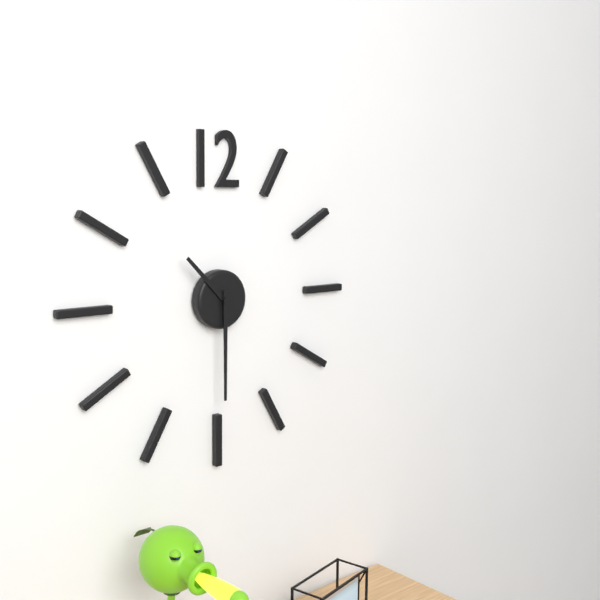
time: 10:30
